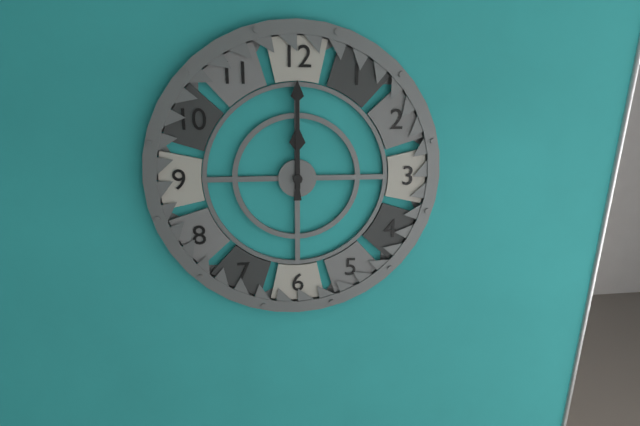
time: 12:00
